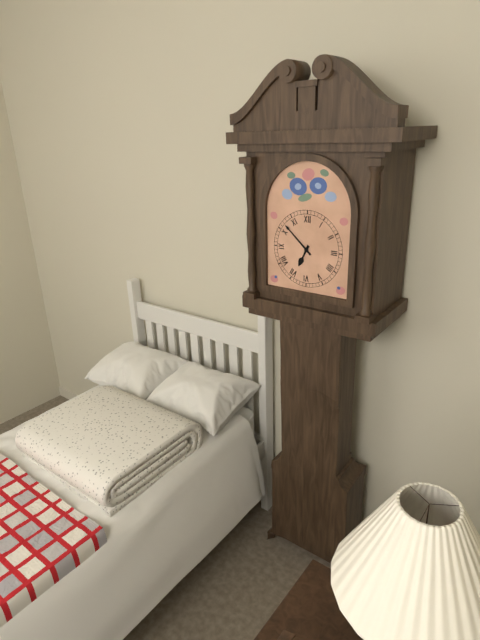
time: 6:52
